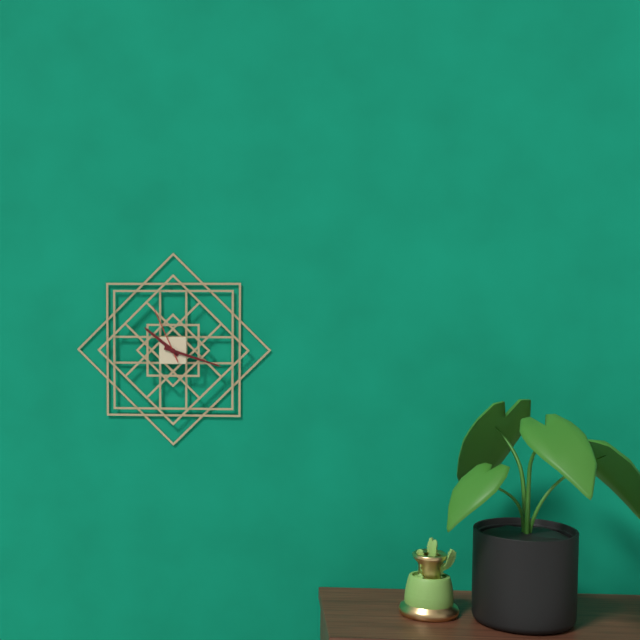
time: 10:18:56
